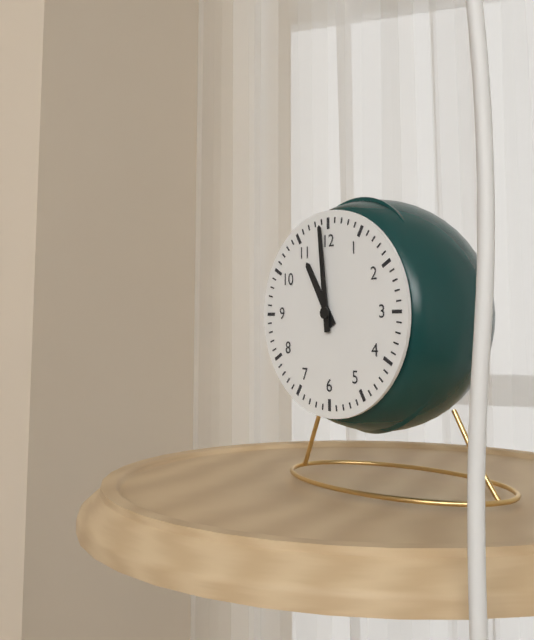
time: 10:59
